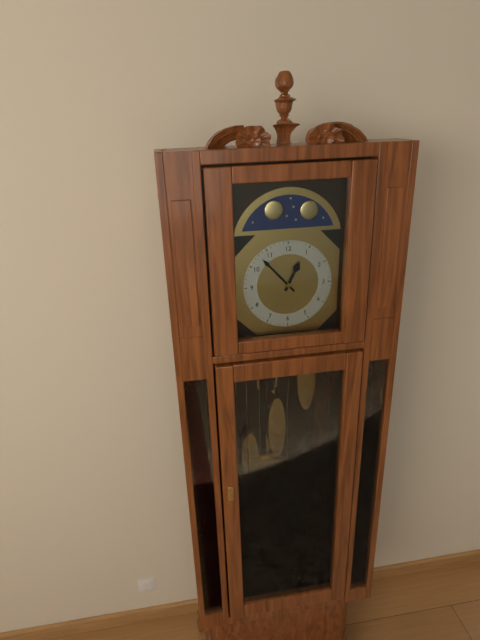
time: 12:53
